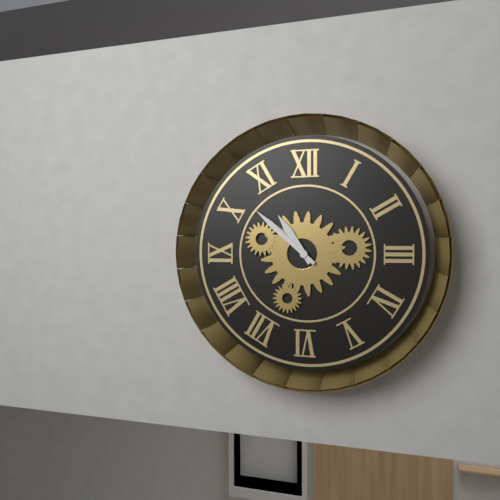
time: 10:52
